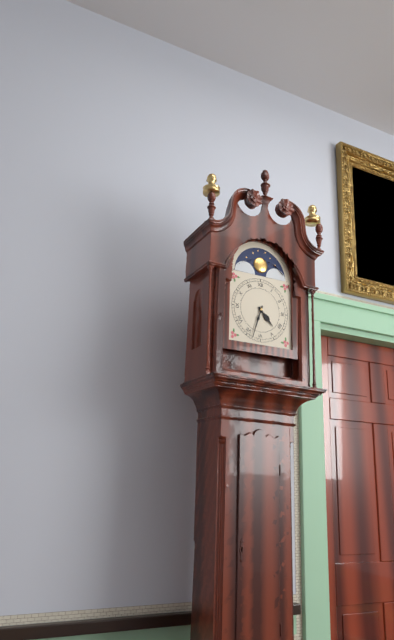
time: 4:33
